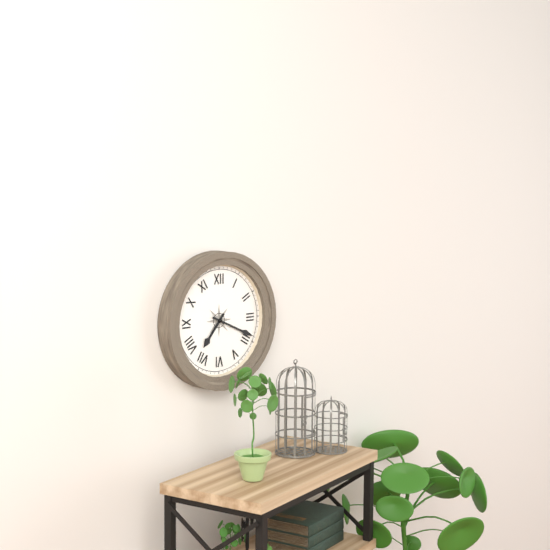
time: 7:19
